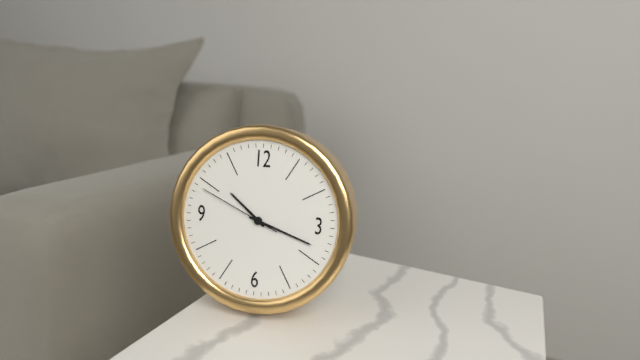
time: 10:18:49
